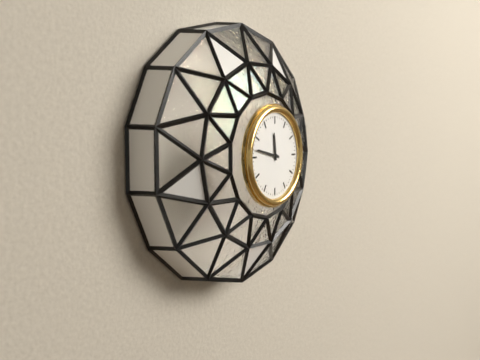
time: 11:47
